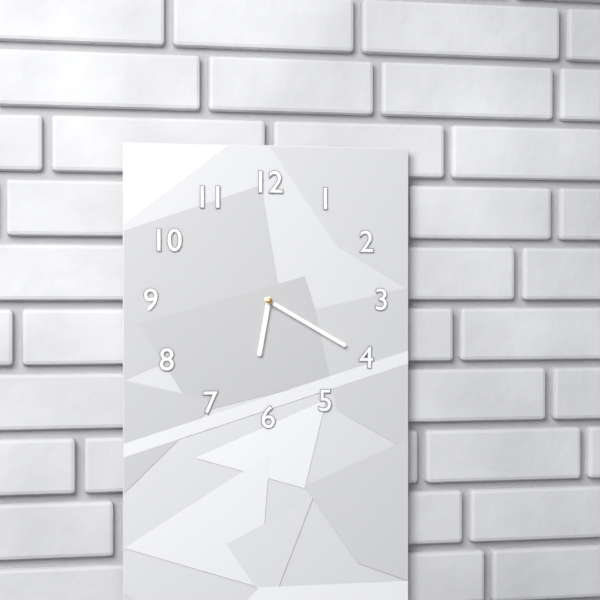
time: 6:20
